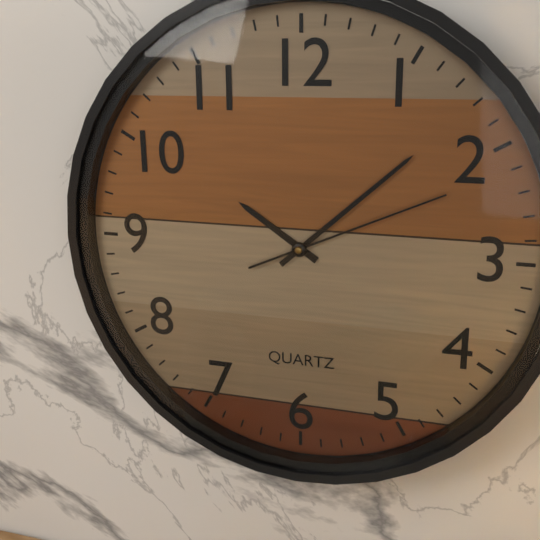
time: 10:08:11
